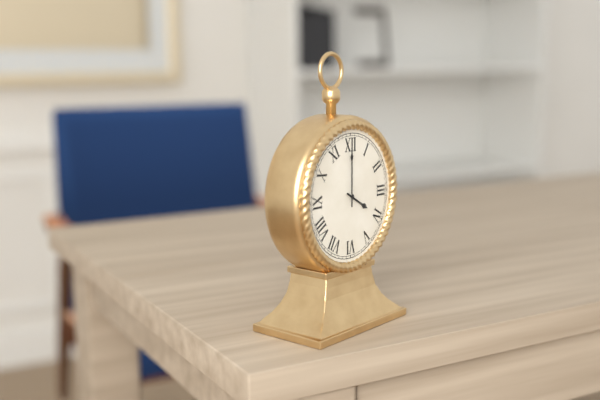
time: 4:00
